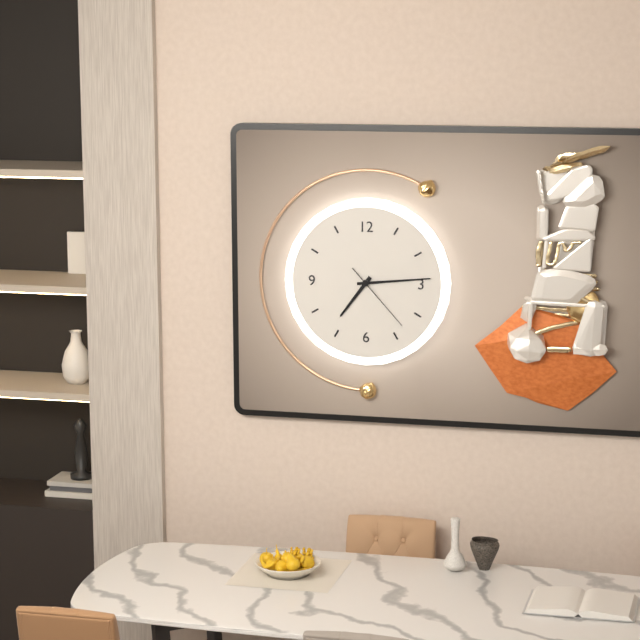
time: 7:14:23
